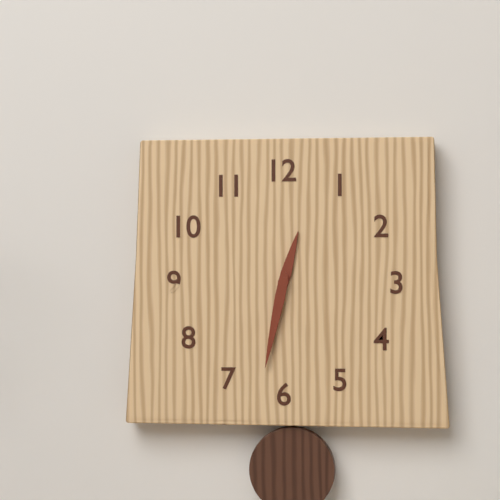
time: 12:32
